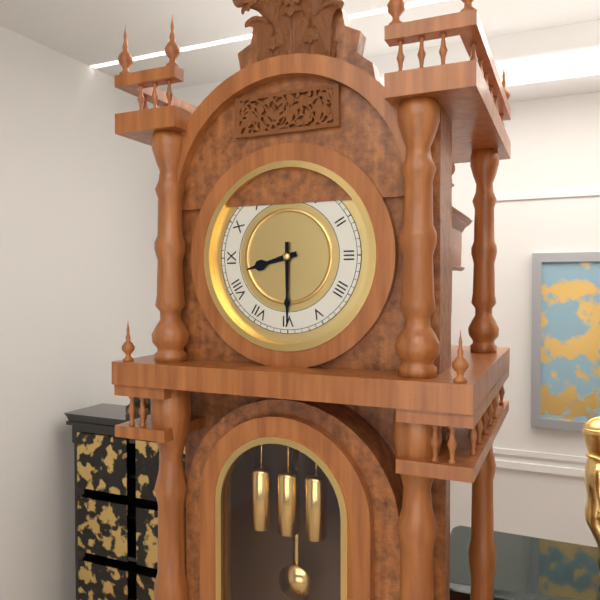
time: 8:30
